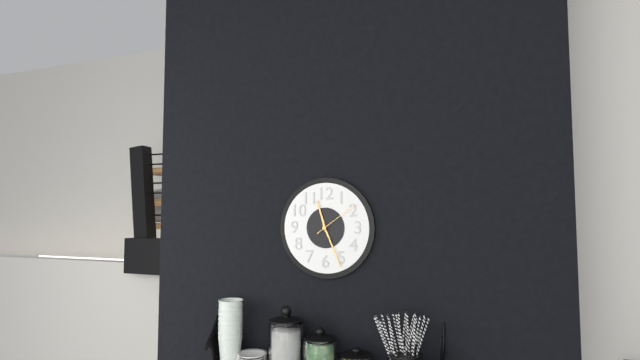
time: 11:26
